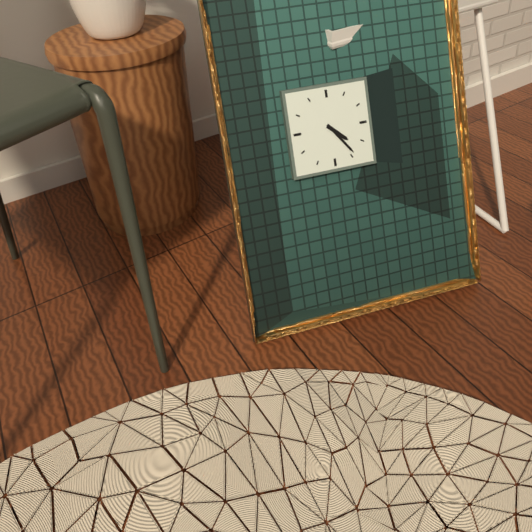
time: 4:24
